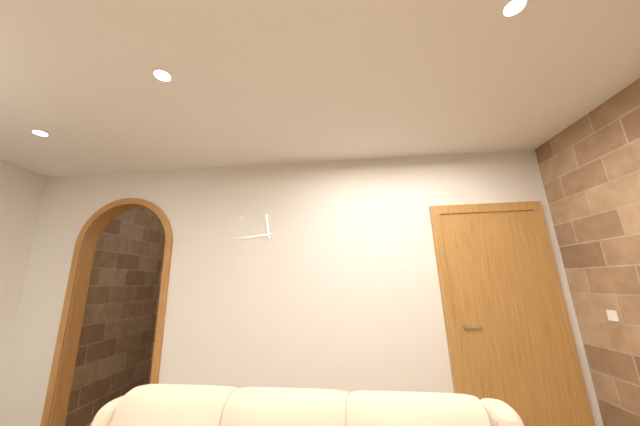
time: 11:44
